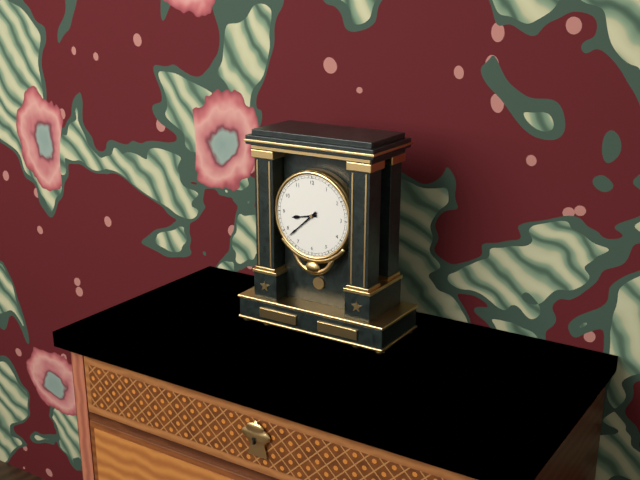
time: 8:38
